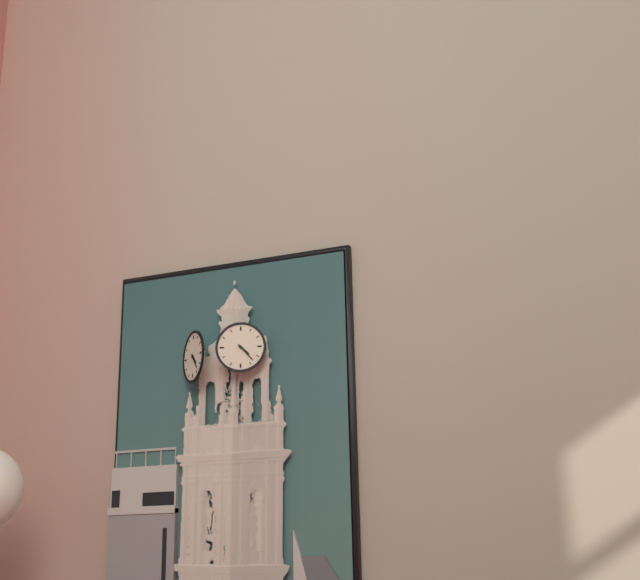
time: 4:23
